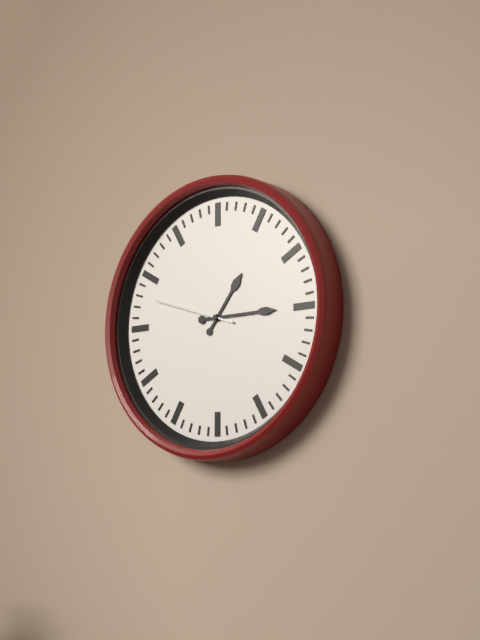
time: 1:15:48
